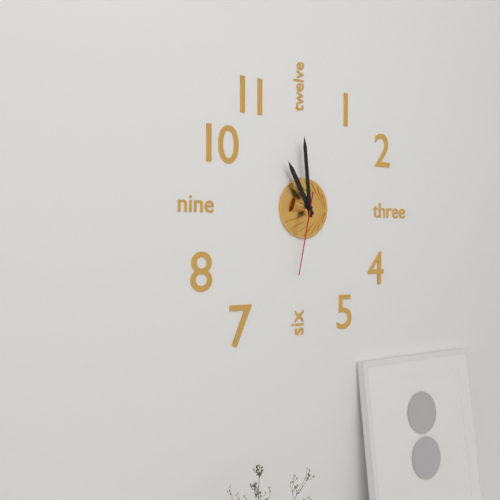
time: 10:59:32
